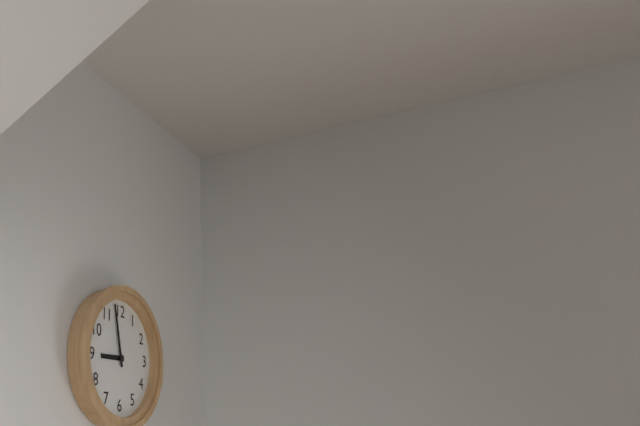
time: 8:58
